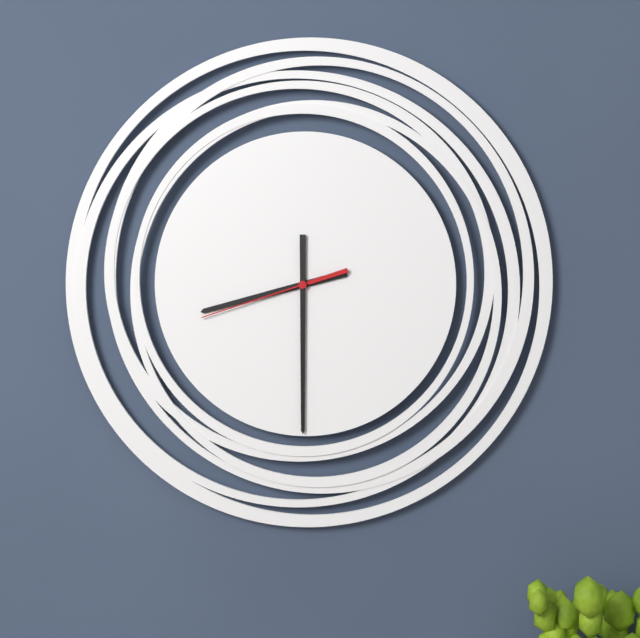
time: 8:30:42
